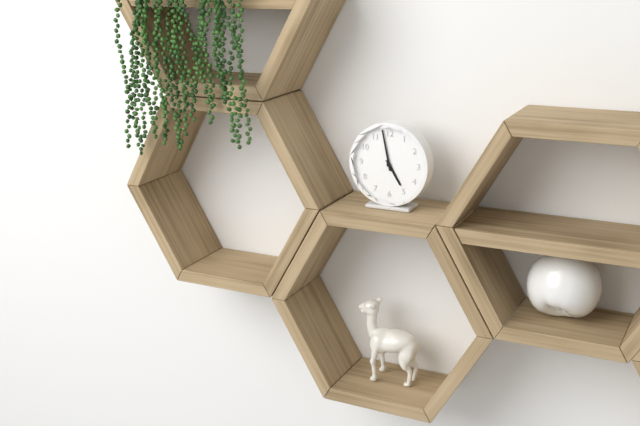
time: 4:58
